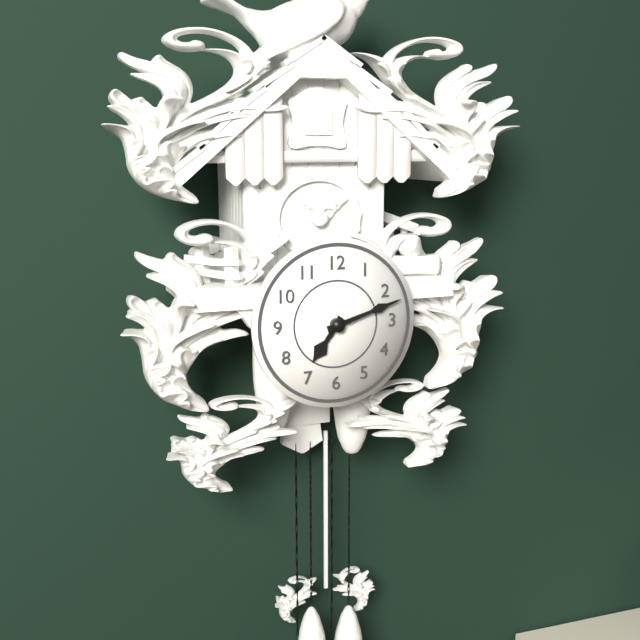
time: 7:12
